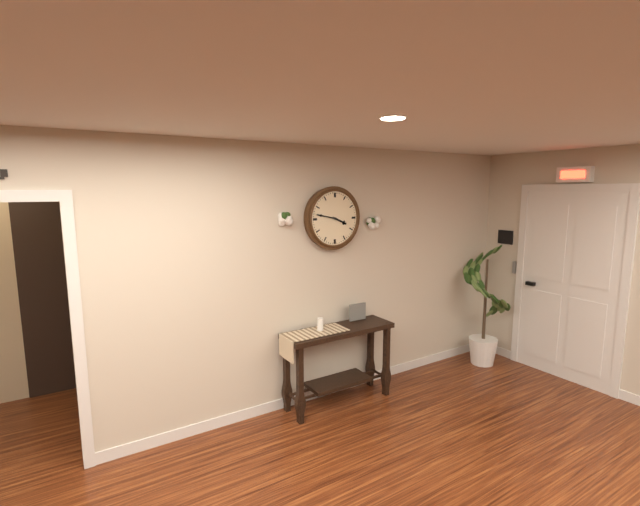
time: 3:47
